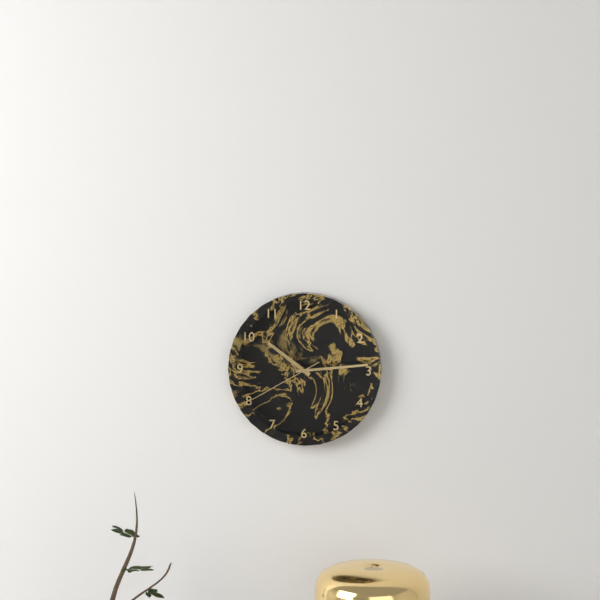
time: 10:14:40
